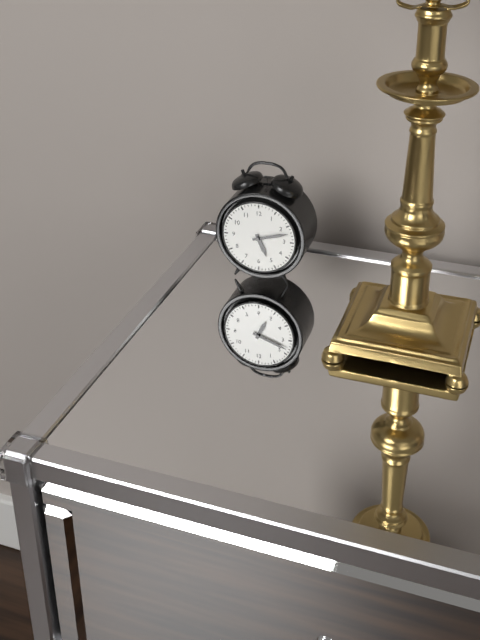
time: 5:12
